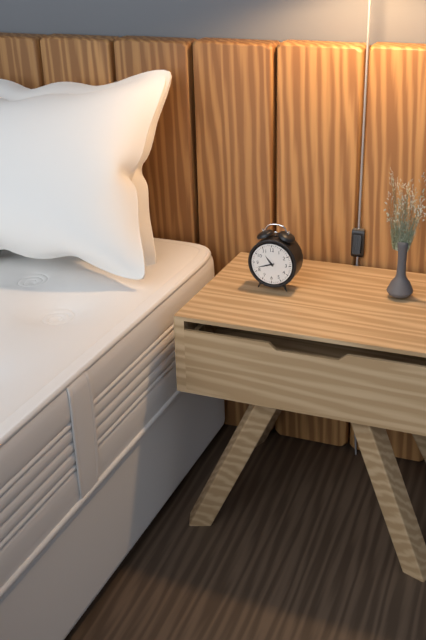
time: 10:42
